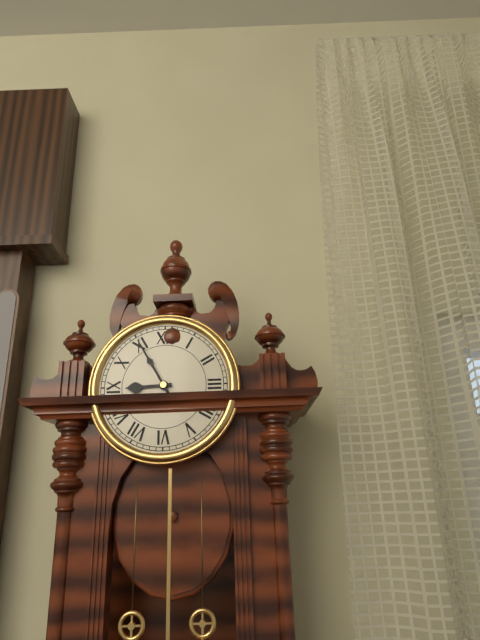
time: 8:55
